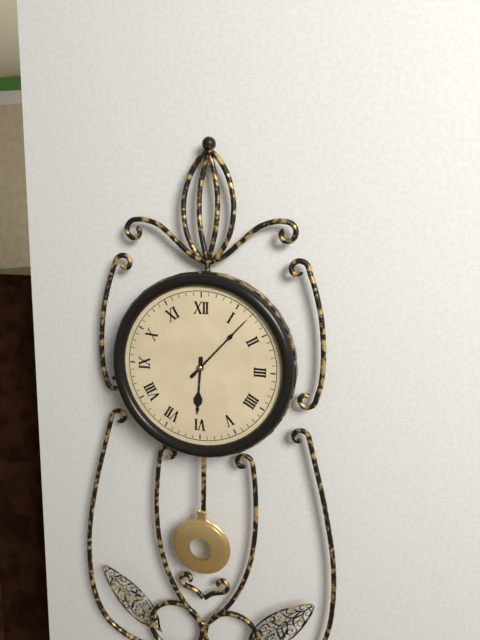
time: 6:07
